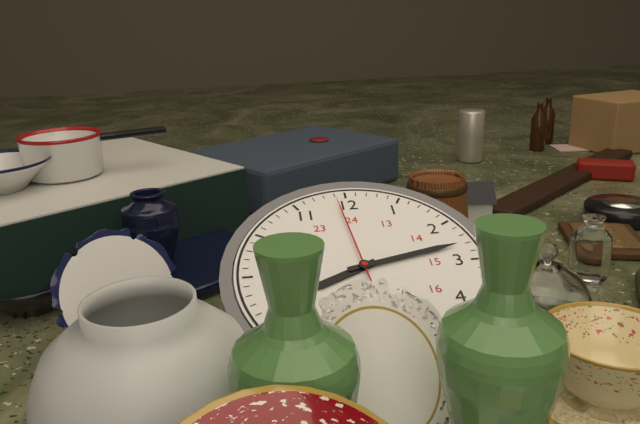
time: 8:13:59
